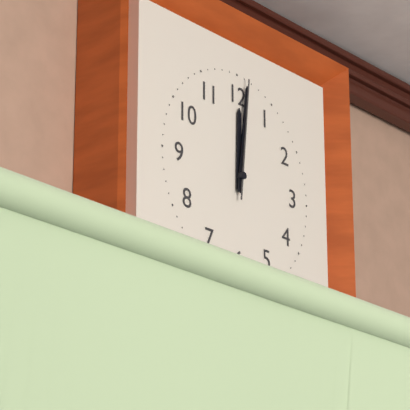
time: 12:01:01
